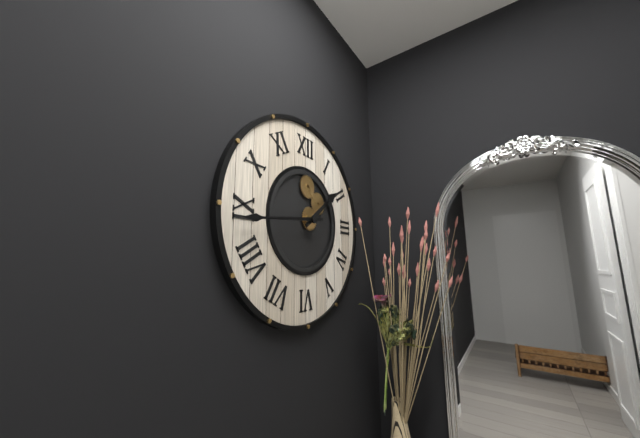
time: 1:44
